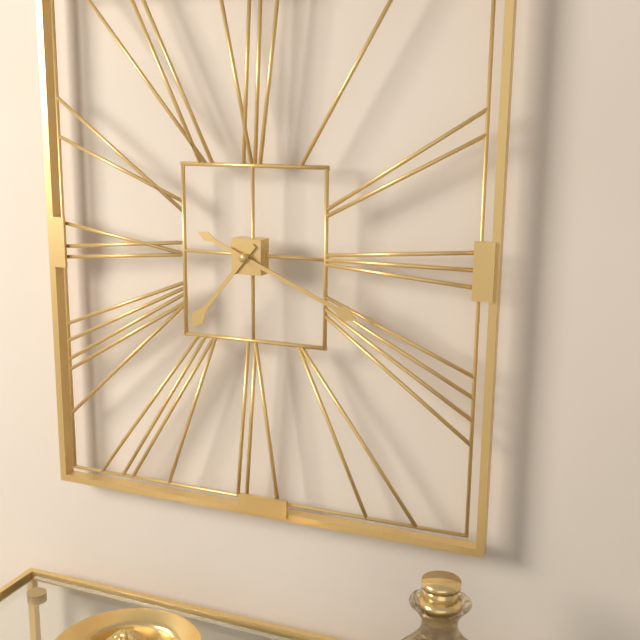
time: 7:19
